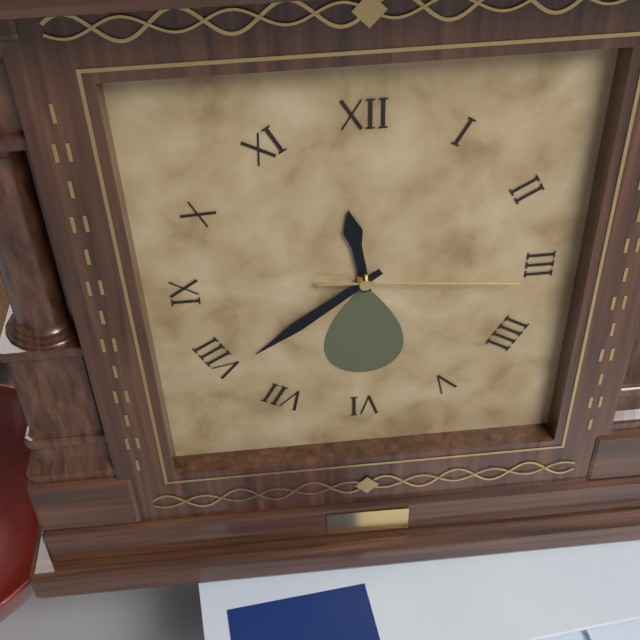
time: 11:39:16
